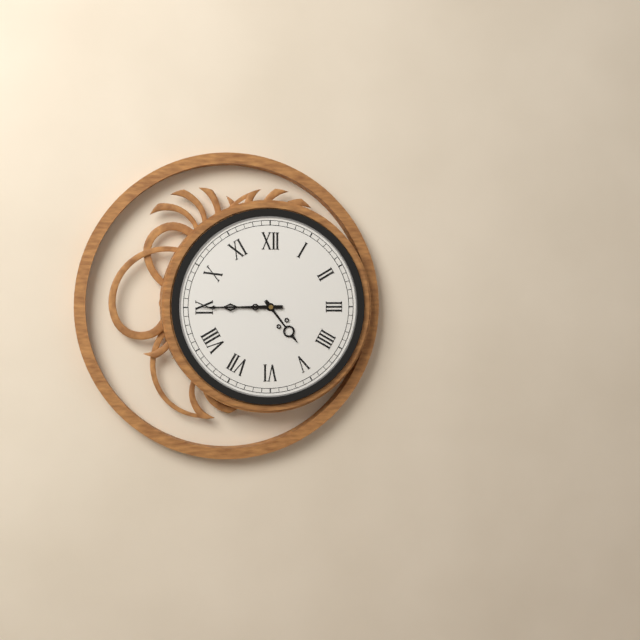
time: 4:45
